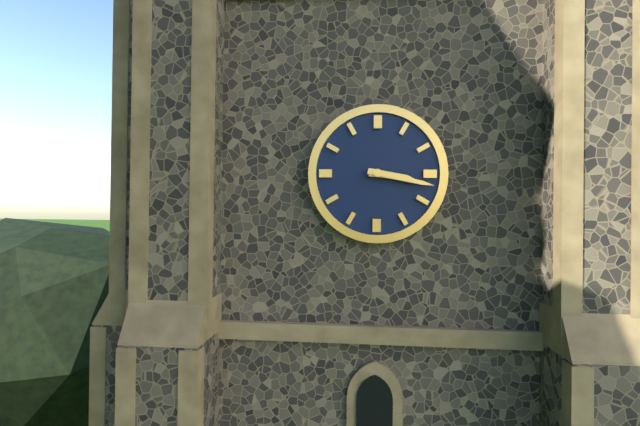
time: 3:17
